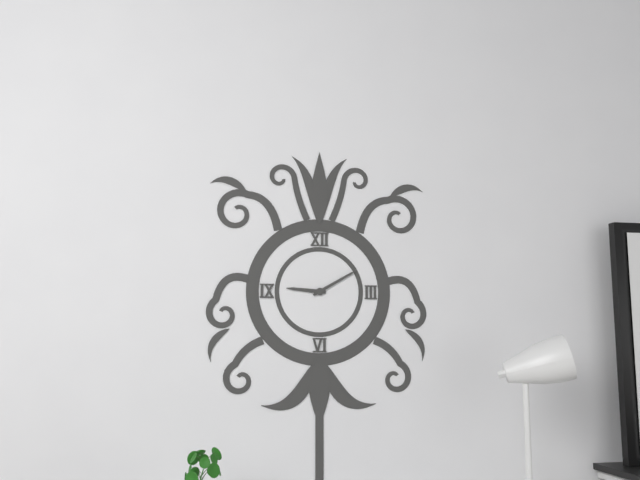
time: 9:10
